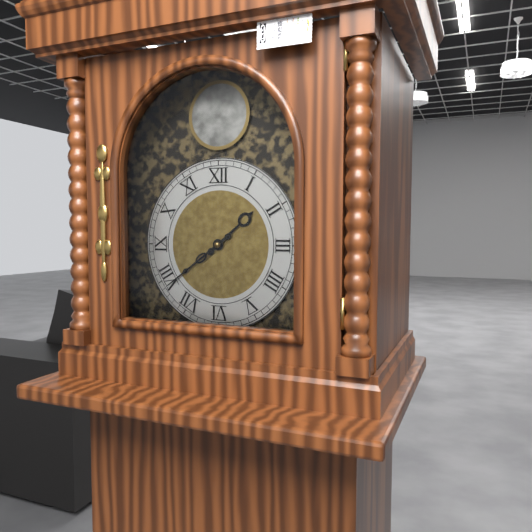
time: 1:39
